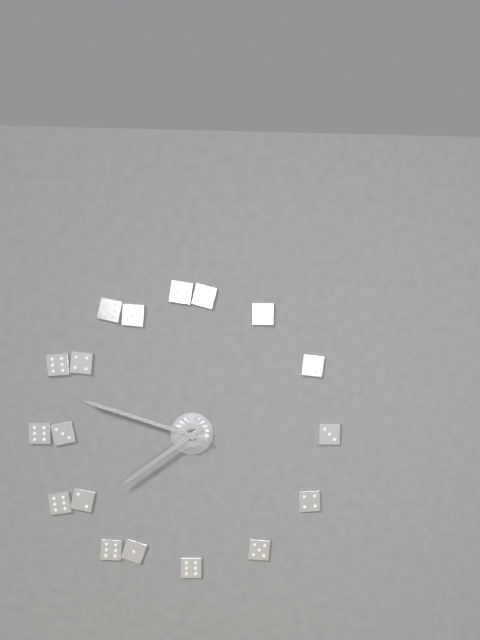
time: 7:48
